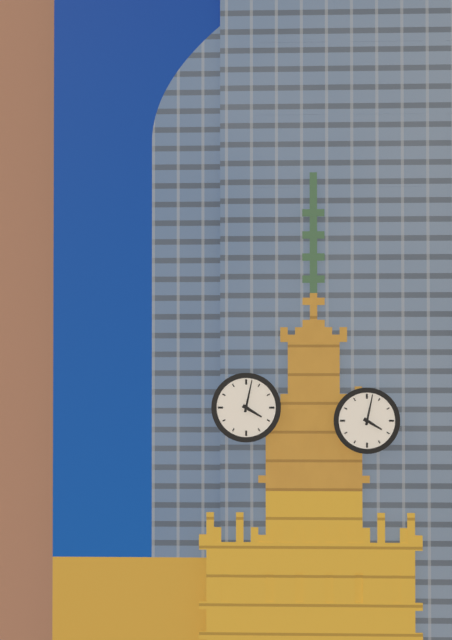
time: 4:02
